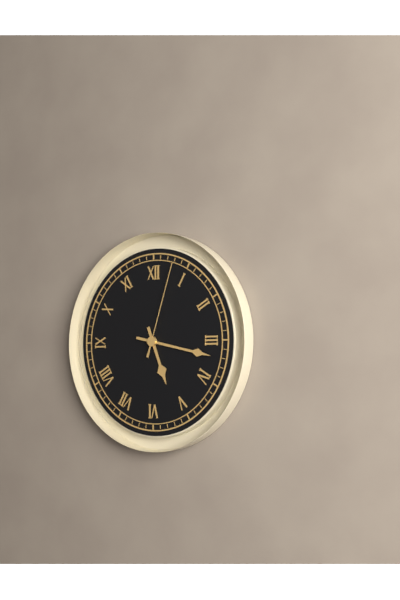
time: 5:17:03
